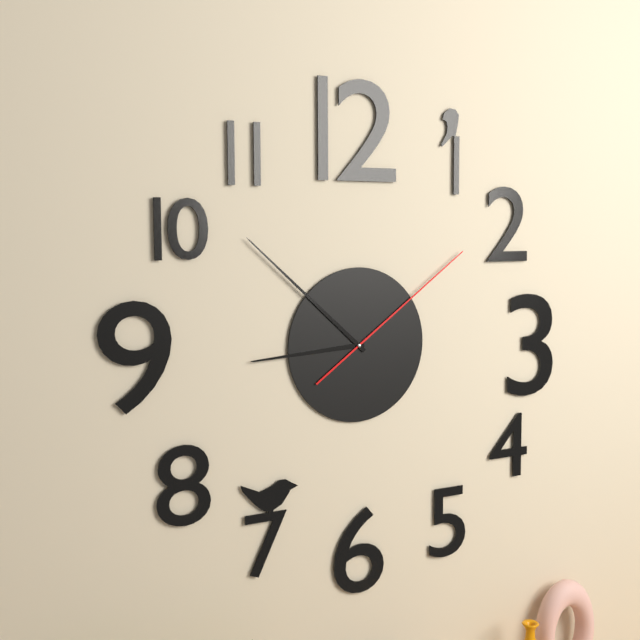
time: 8:52:09
